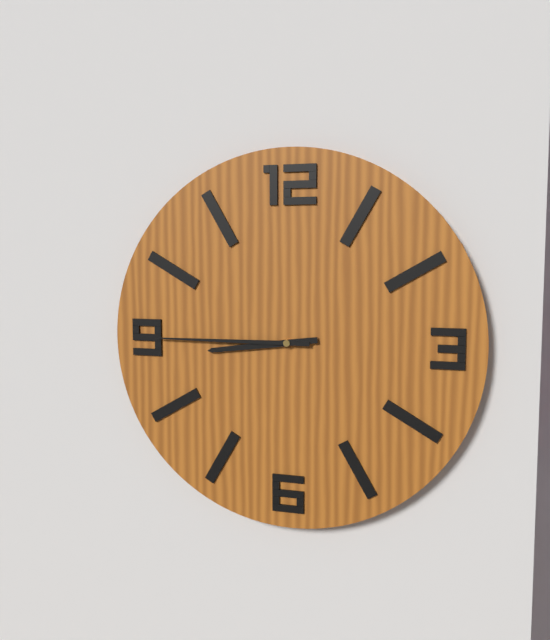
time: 8:45
